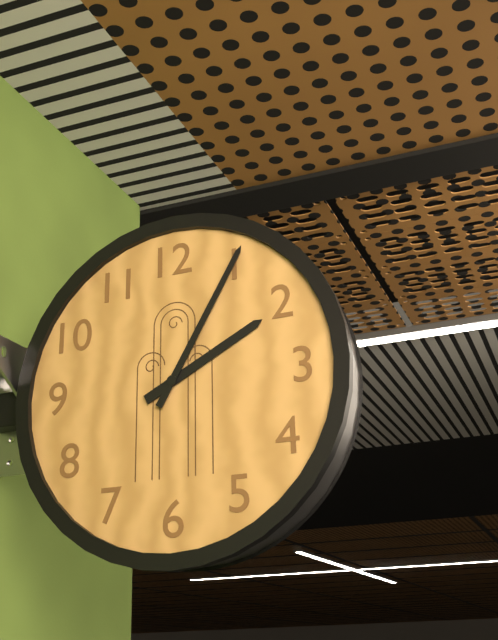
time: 2:05
